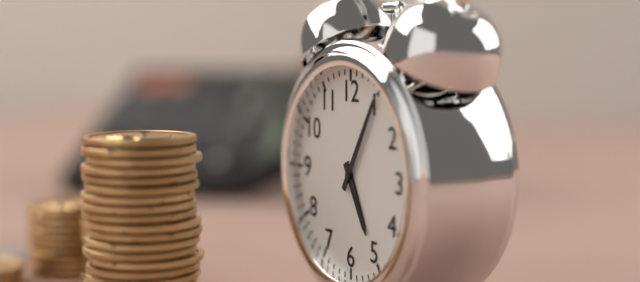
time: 5:05
